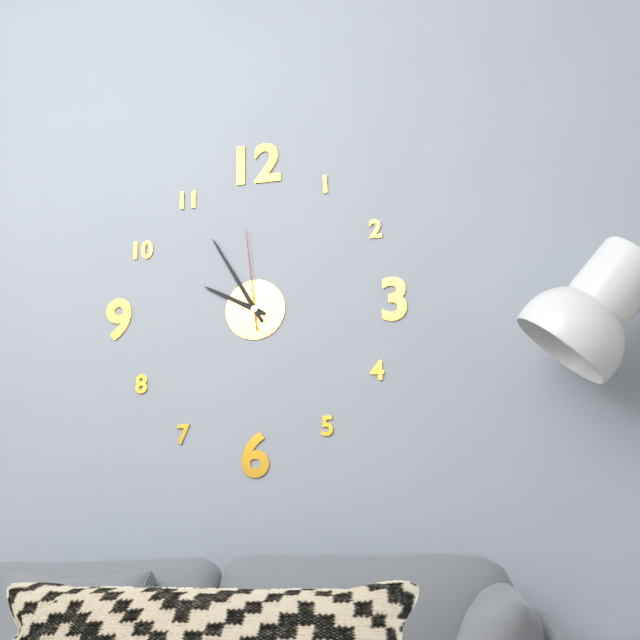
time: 9:55:59
